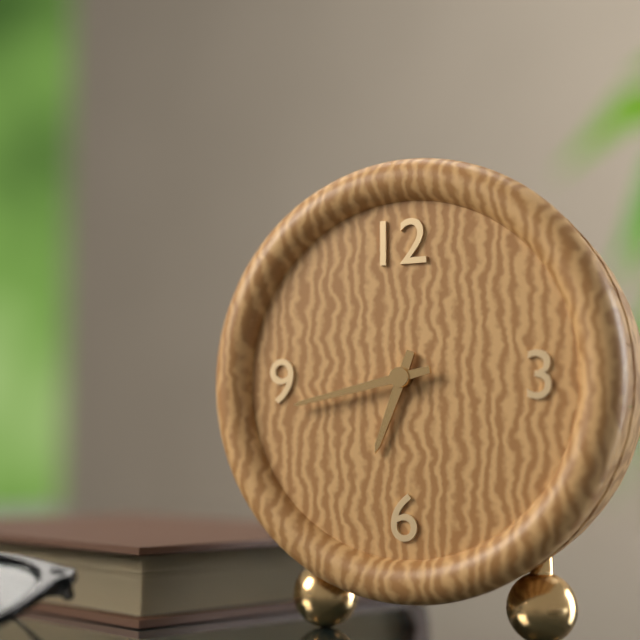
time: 6:43
